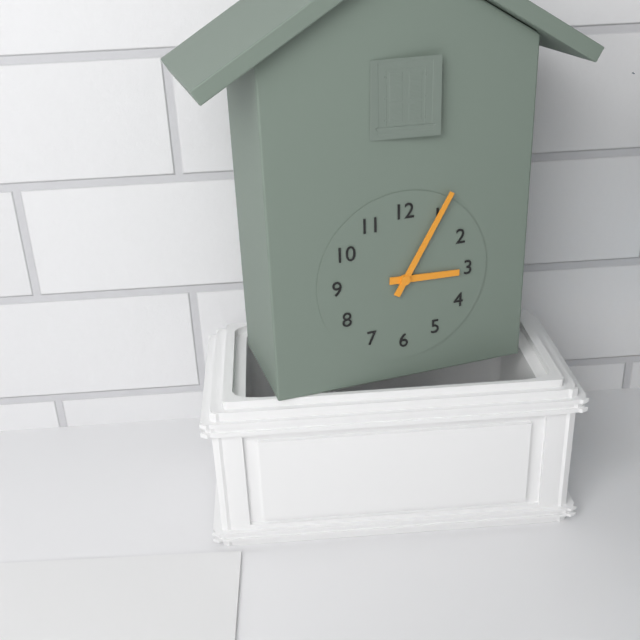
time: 3:05
